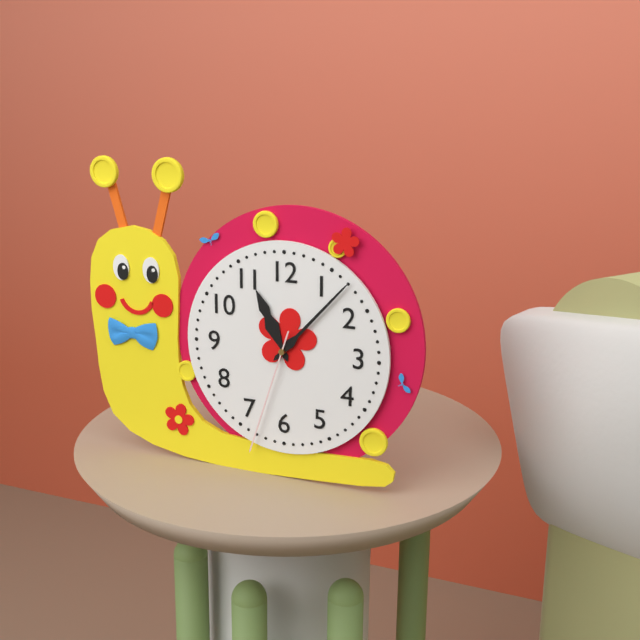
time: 11:07:33
